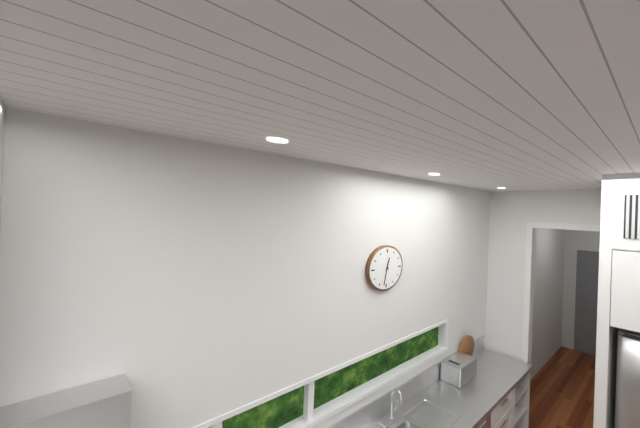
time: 12:32
